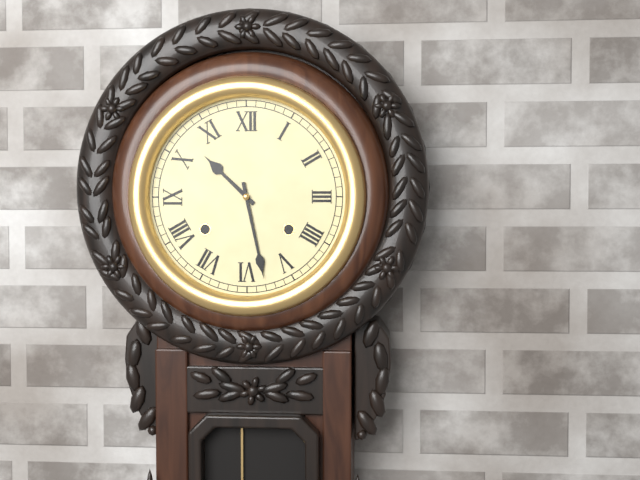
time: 10:28
